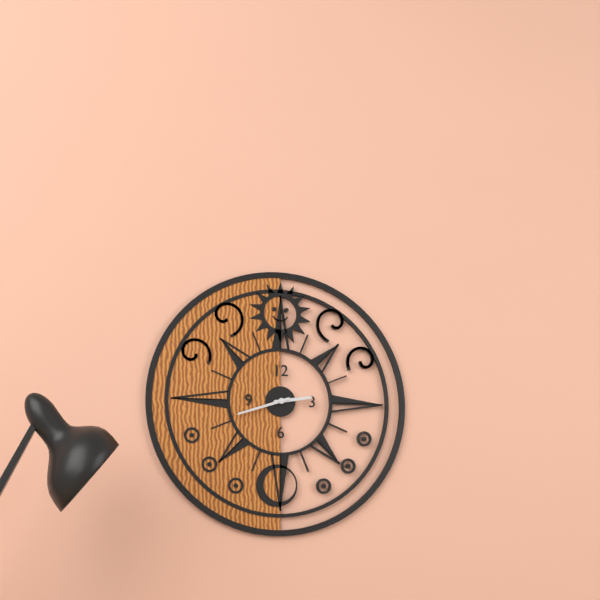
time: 2:42
